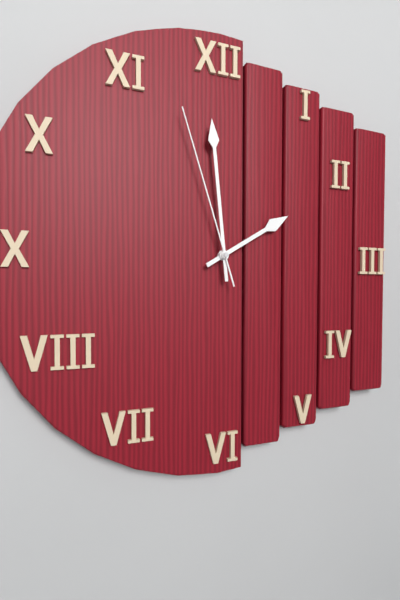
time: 1:59:57
